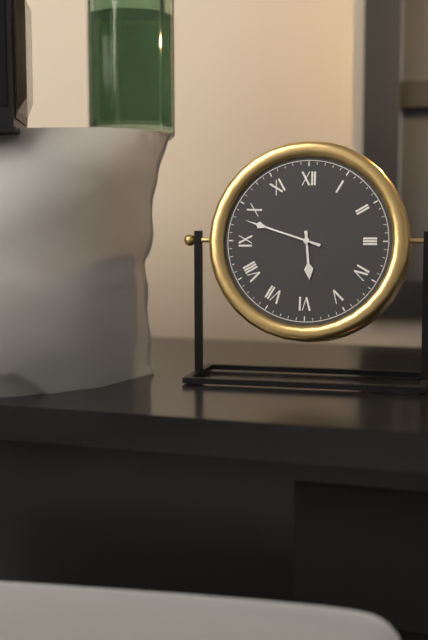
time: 5:48
